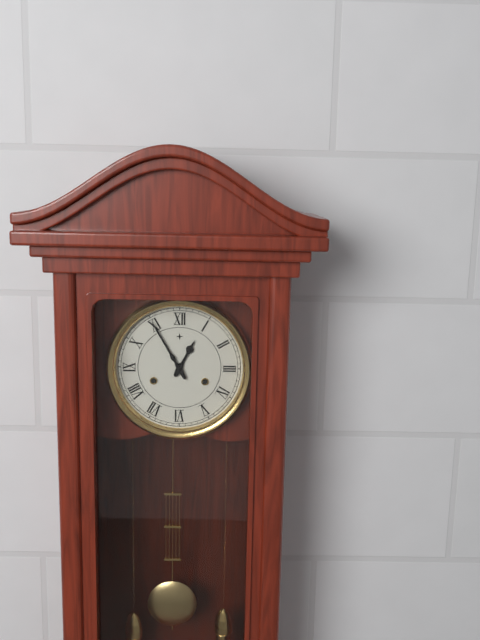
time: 12:55
